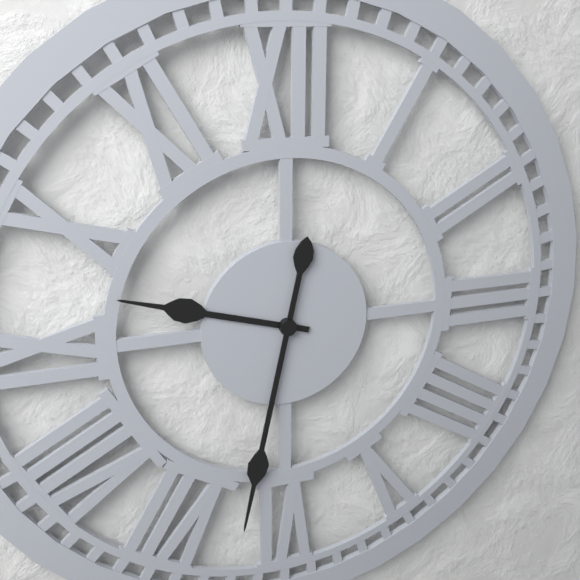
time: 9:32
